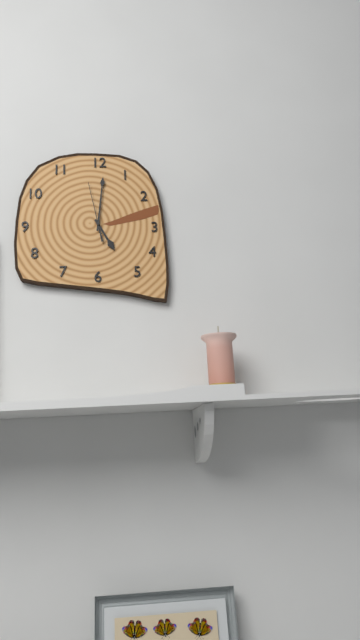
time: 5:01:58
